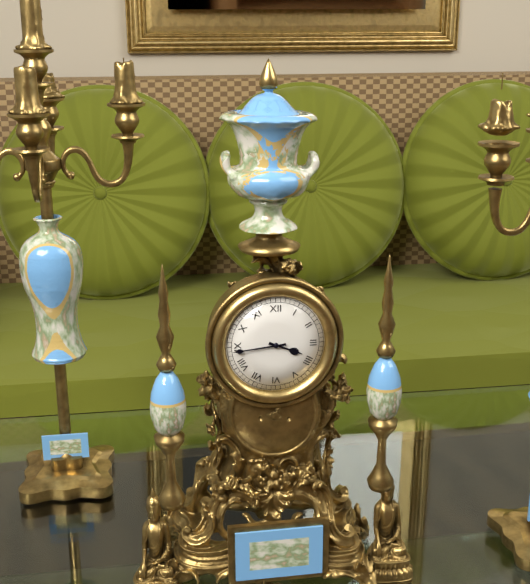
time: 3:44
